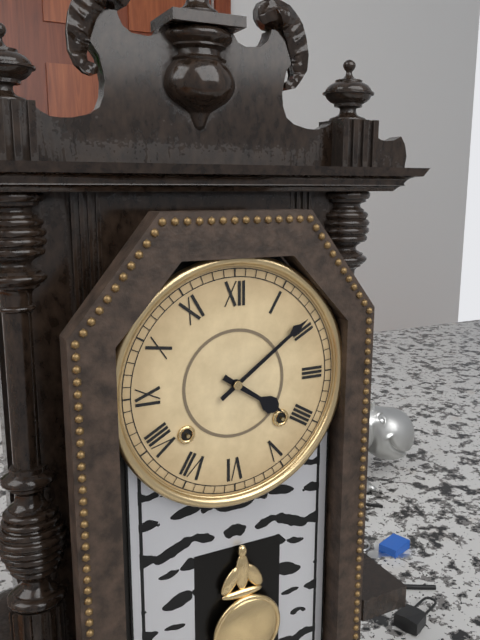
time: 4:09
